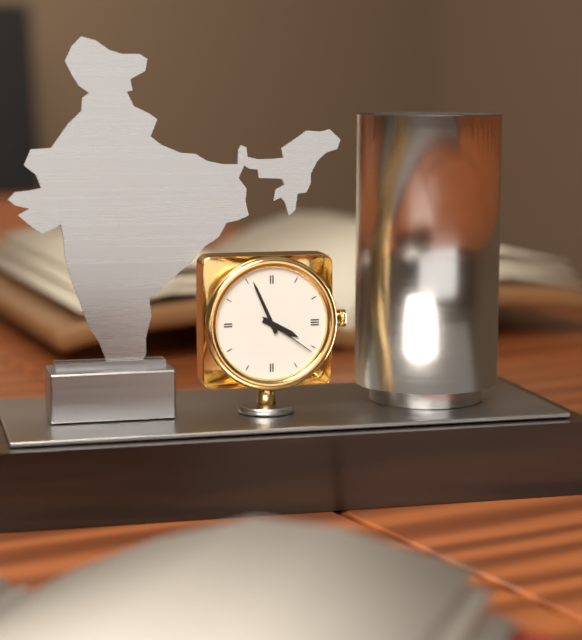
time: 3:56:21
